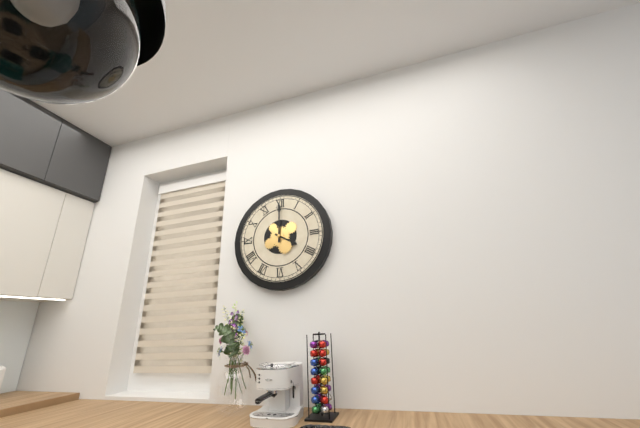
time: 4:00
